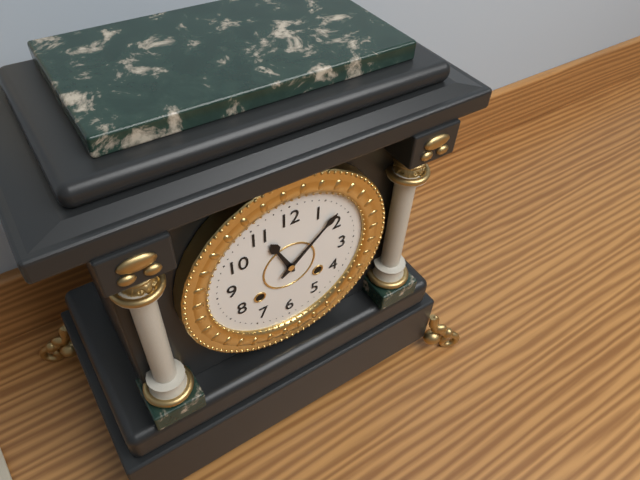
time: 11:08
